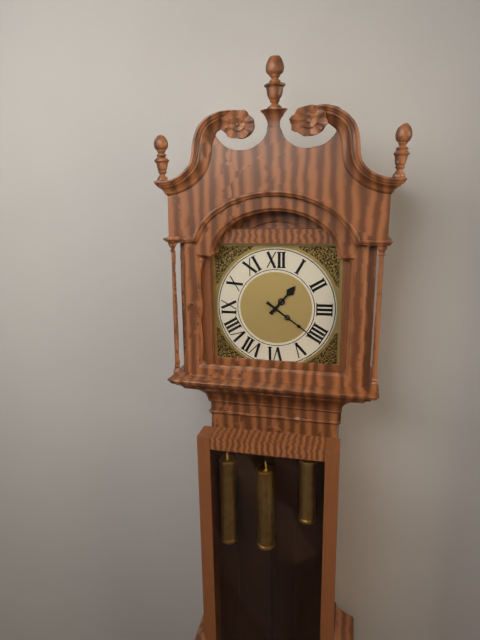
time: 1:21
